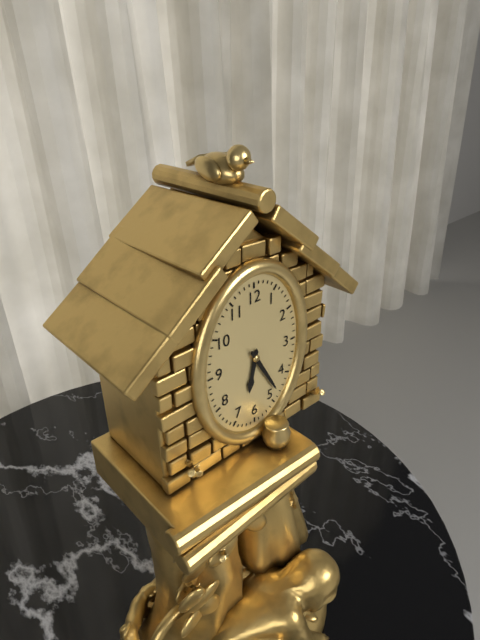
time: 6:25
